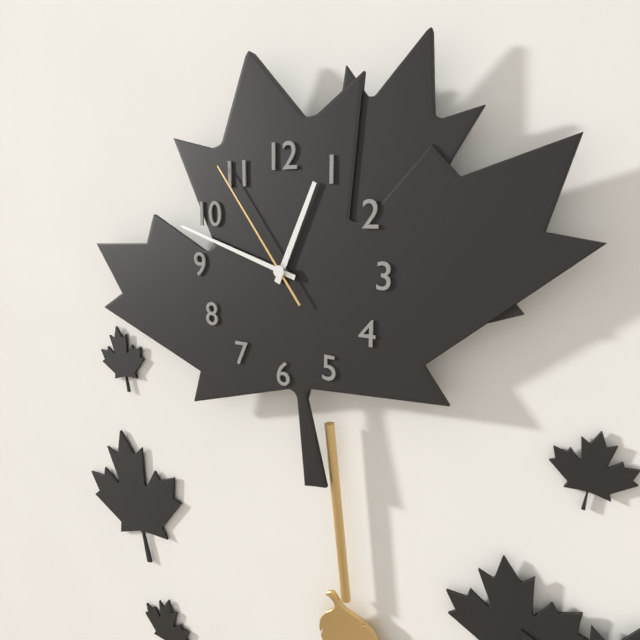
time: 12:48:54
